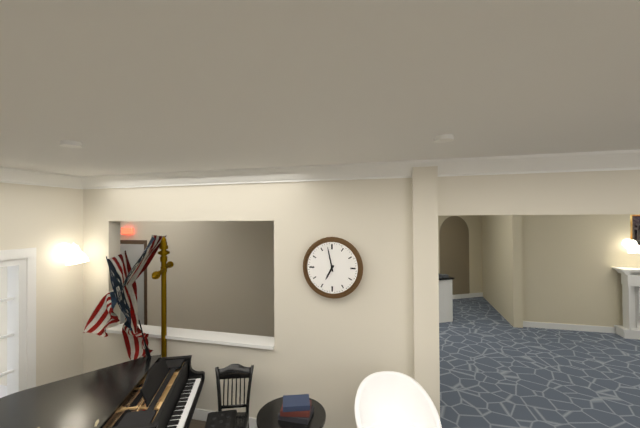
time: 6:58
